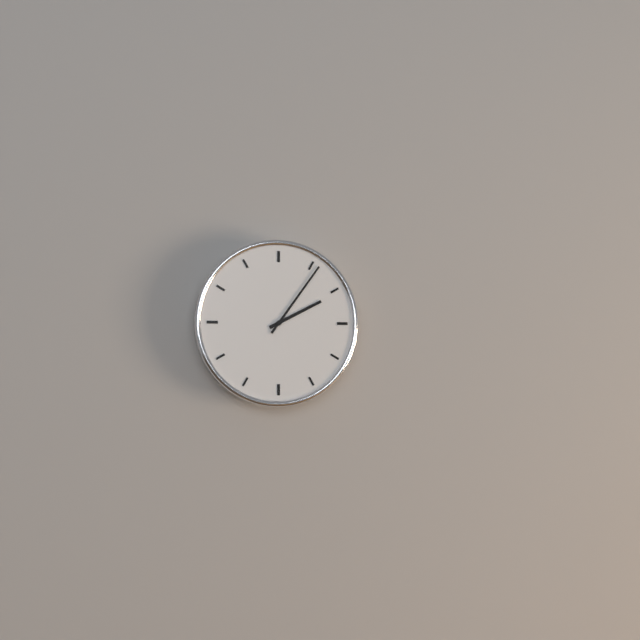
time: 2:06
